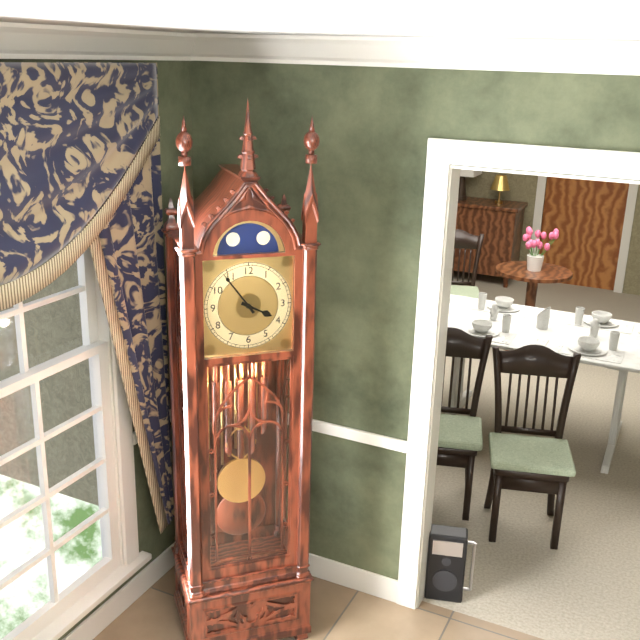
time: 3:54
